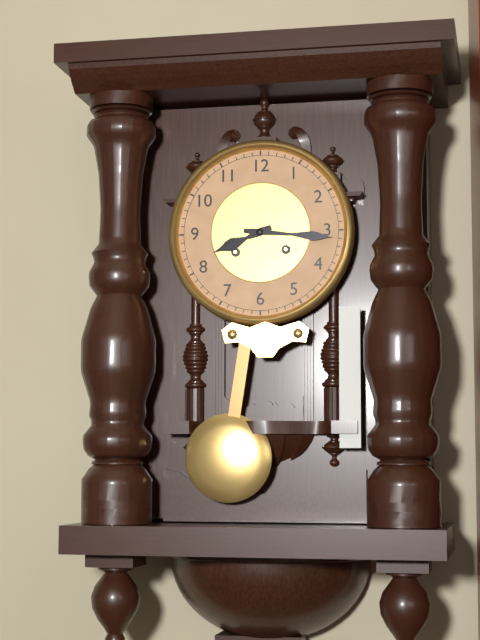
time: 8:16
